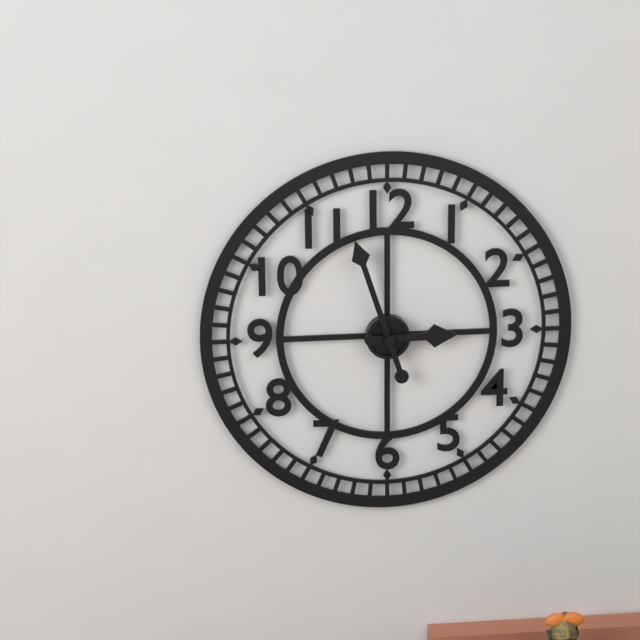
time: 2:57
